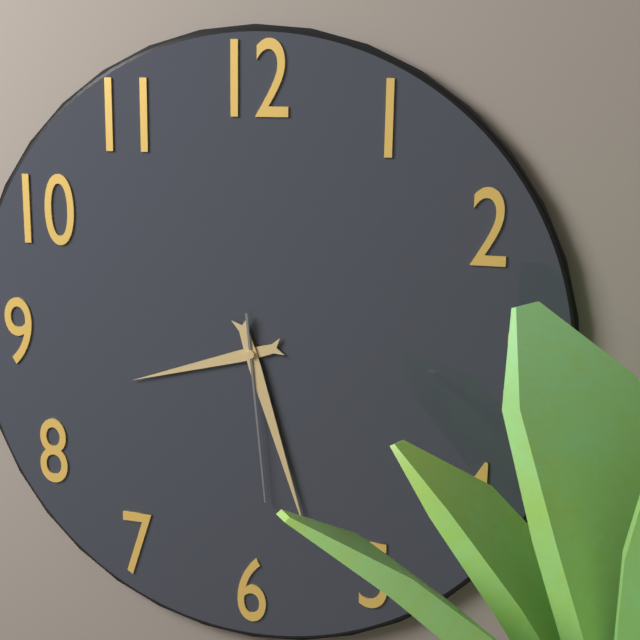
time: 8:27:29
